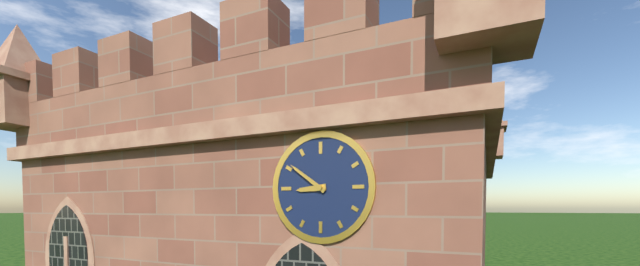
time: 8:51
